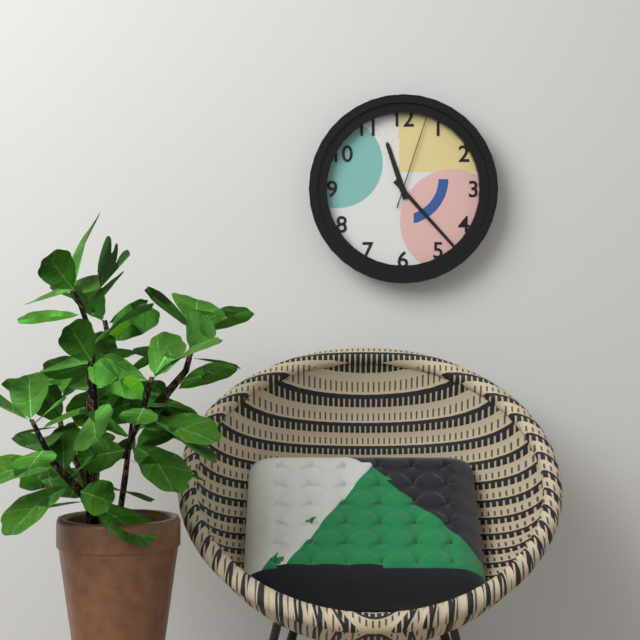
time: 11:23:03
